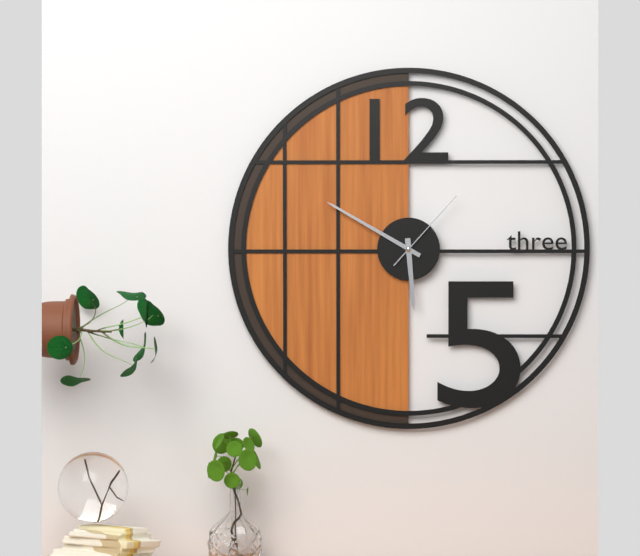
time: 5:50:07
